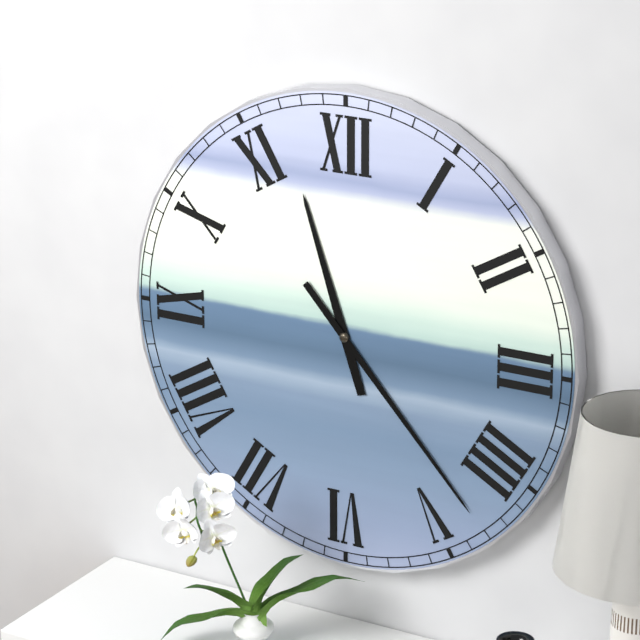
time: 11:23
